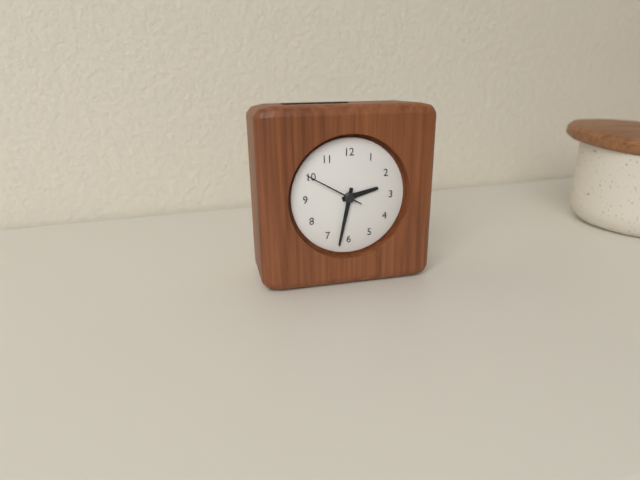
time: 2:32:50
